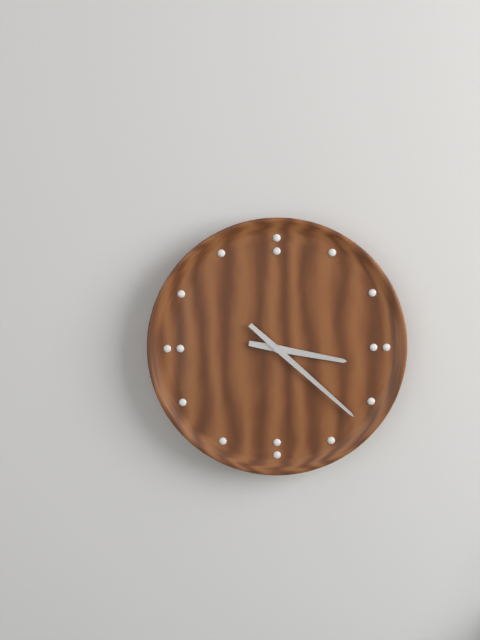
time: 3:22
